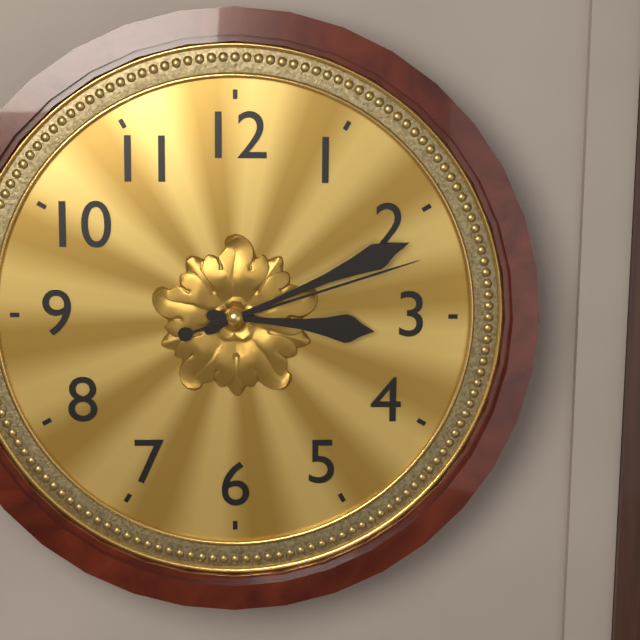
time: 3:11:12
